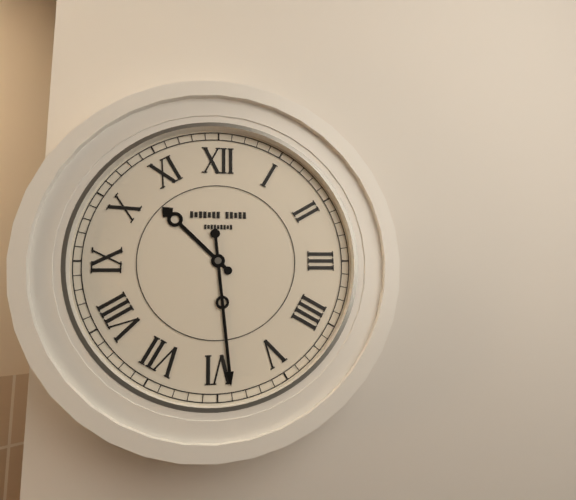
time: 10:29
